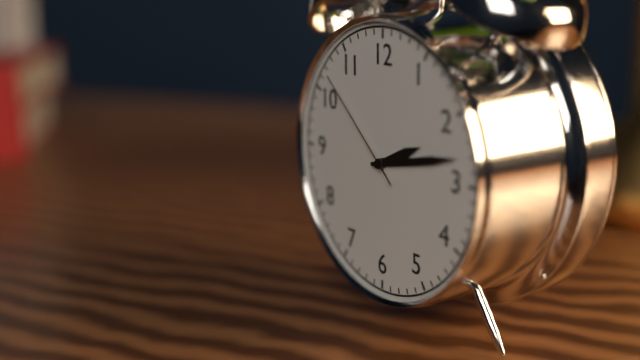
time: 2:13:52
